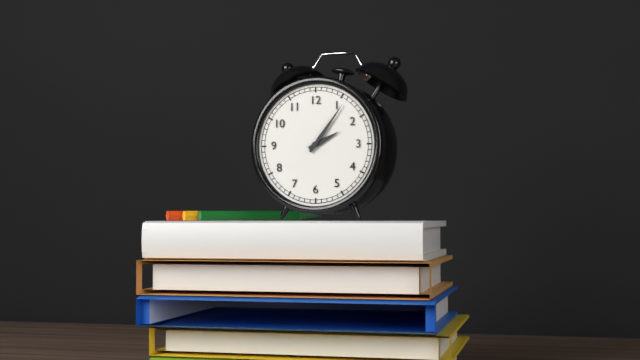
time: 2:06
